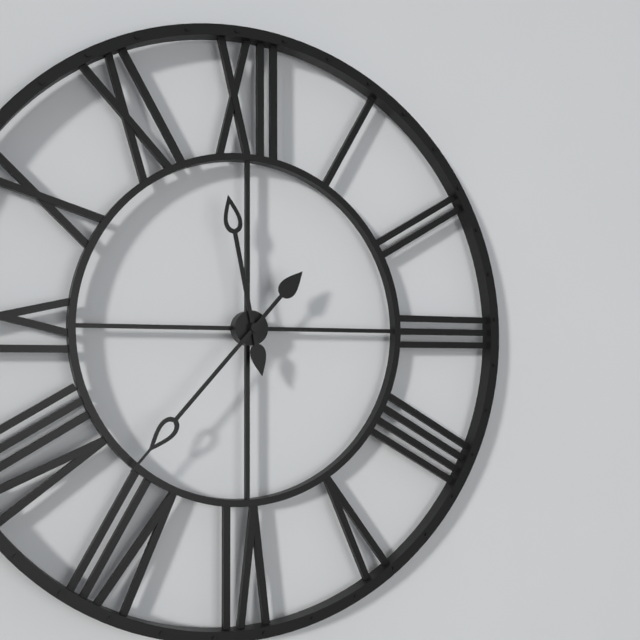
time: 11:37
